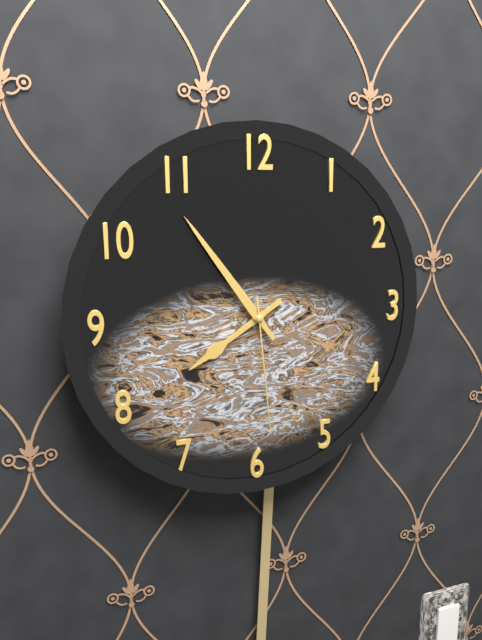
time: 7:54:29
